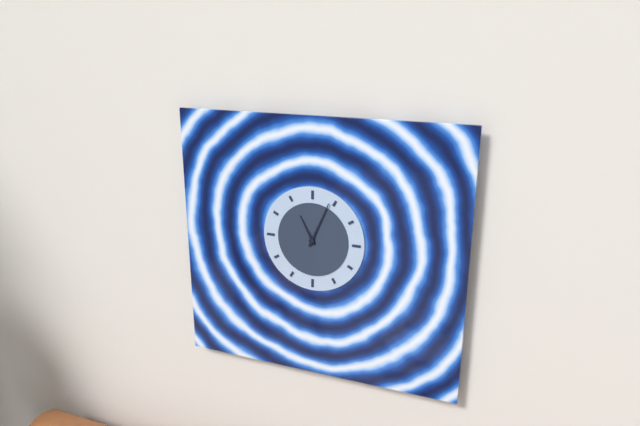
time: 11:04
